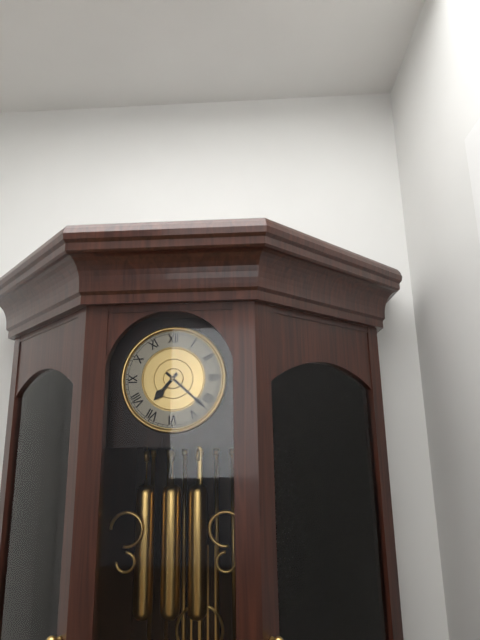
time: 7:22
